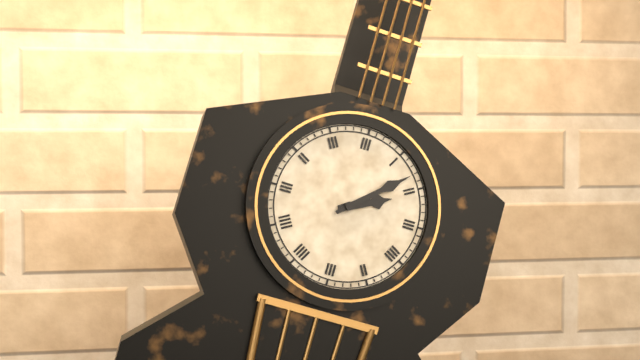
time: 2:08
